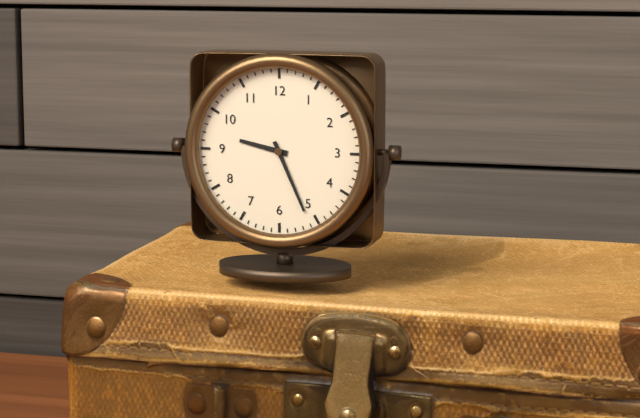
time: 9:26
